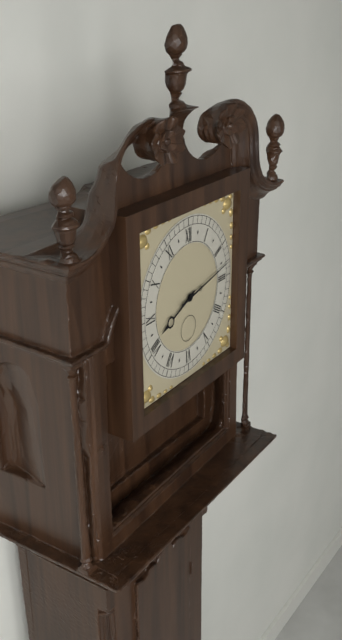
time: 8:13
